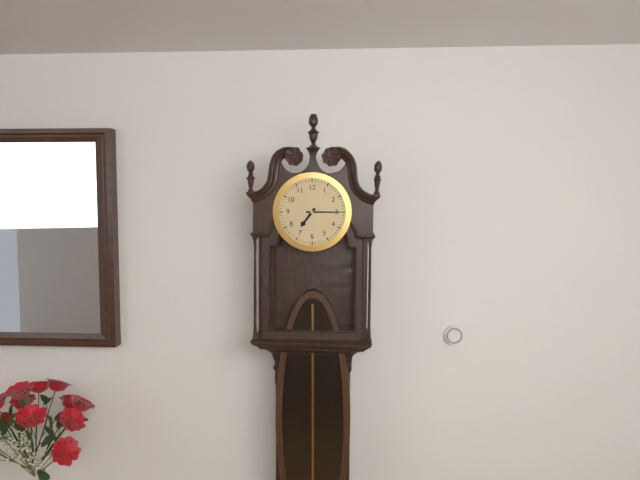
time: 7:15
